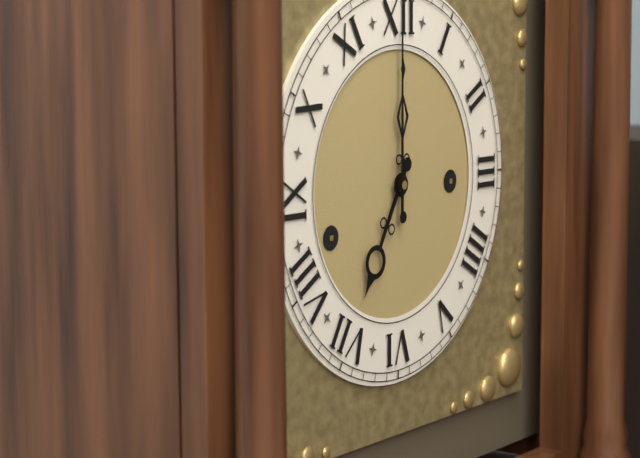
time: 7:00
